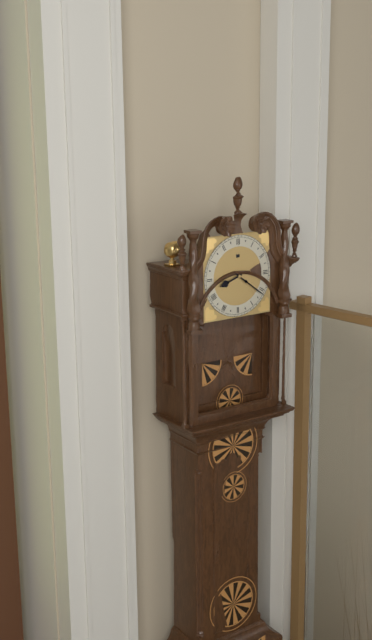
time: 8:21
